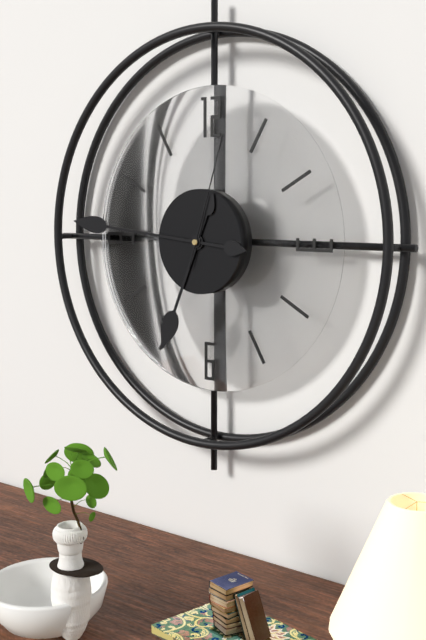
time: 6:46:03
